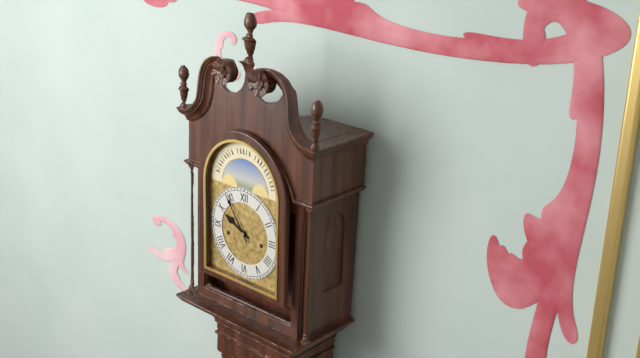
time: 9:54
